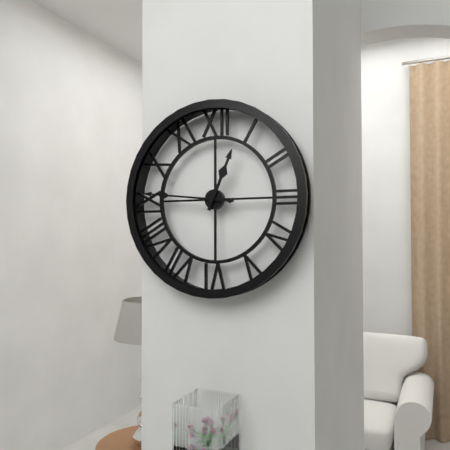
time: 12:46
